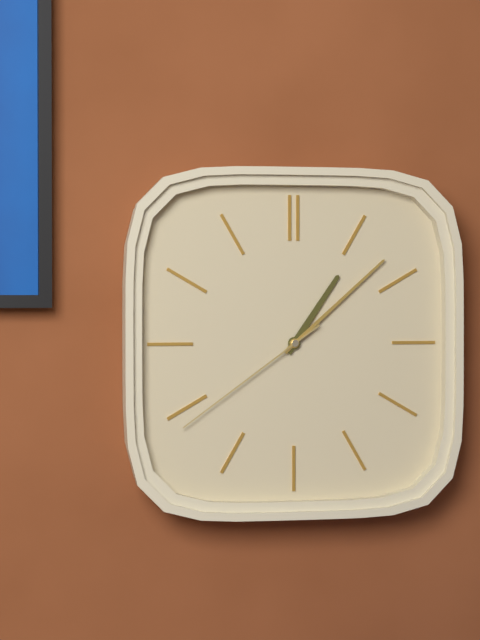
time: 1:08:39
